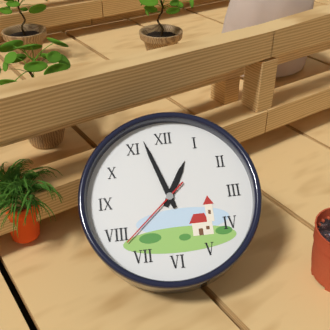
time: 12:57:38
